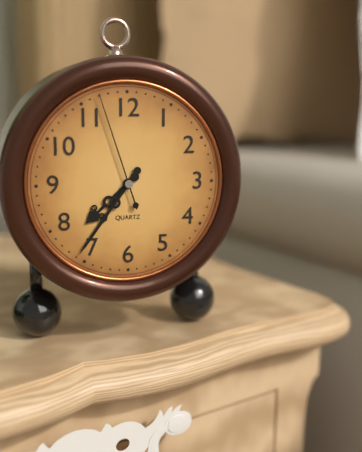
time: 7:36:57
